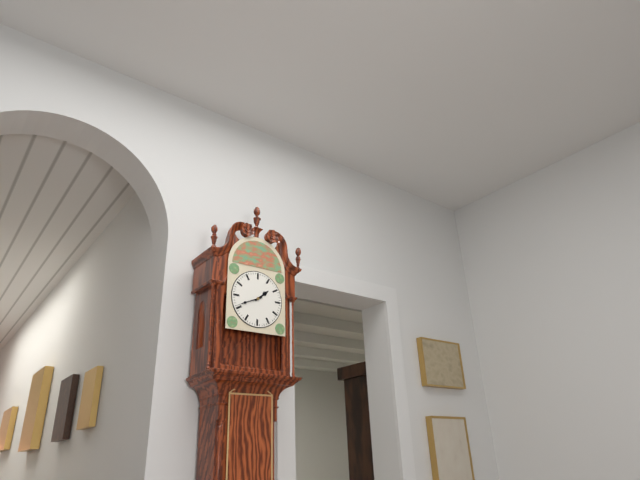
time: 1:41
